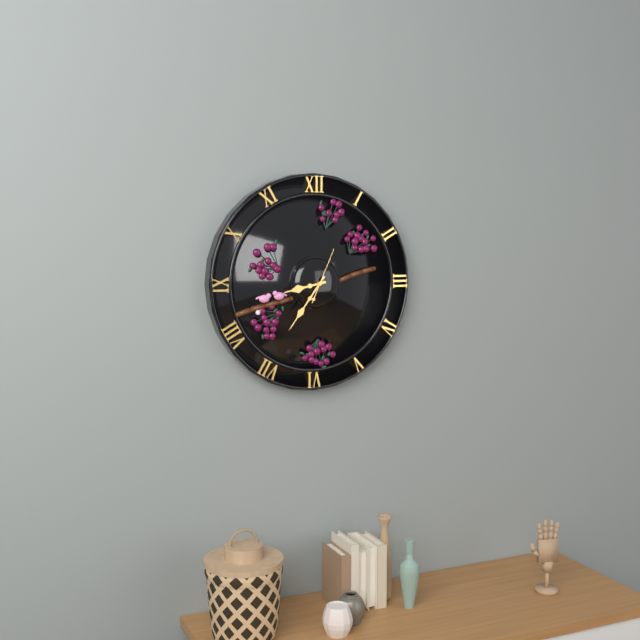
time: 8:36
